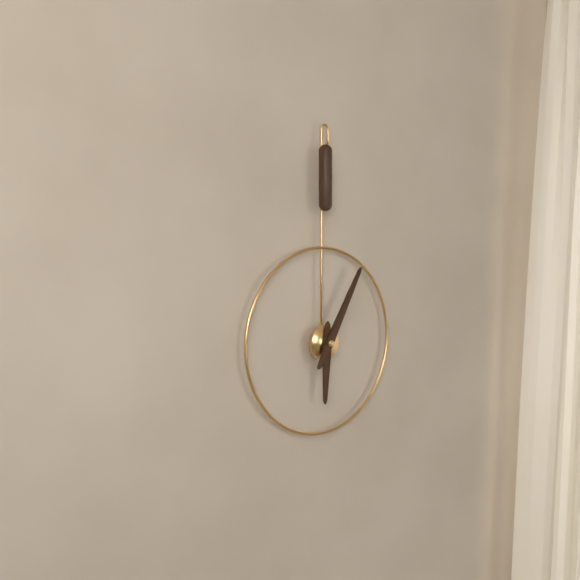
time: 6:05
